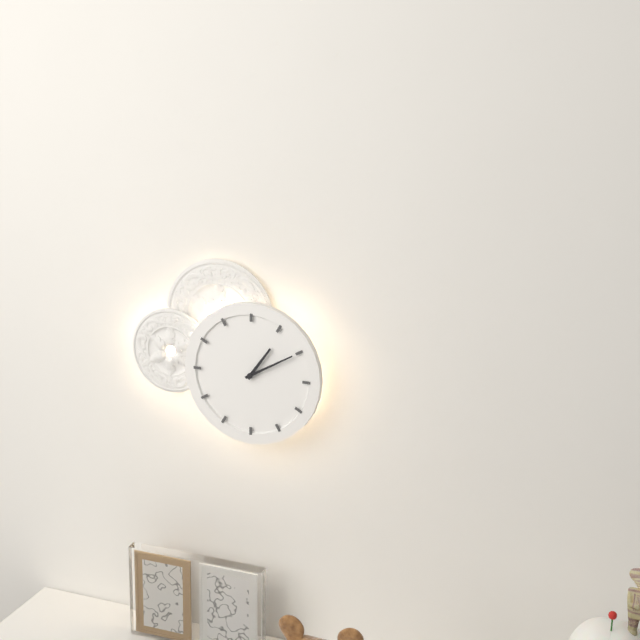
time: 1:10
